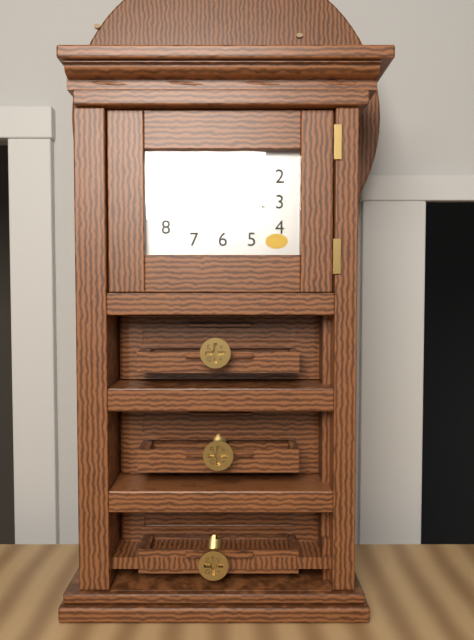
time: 8:16
